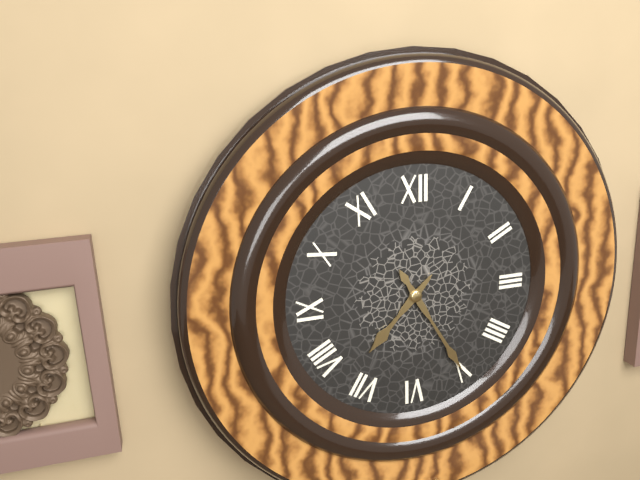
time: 7:25
